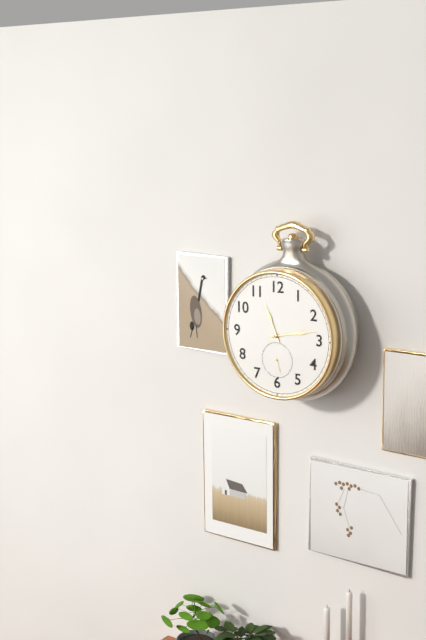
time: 11:13
